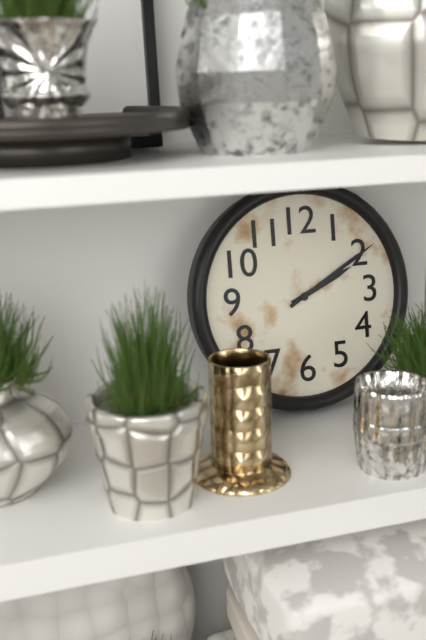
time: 2:10
